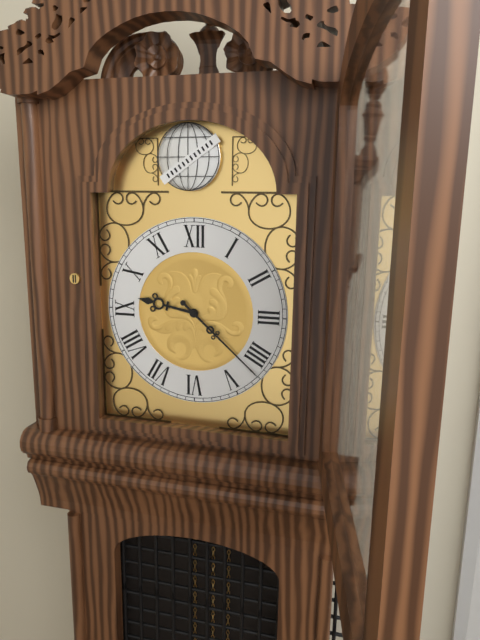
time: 9:22
